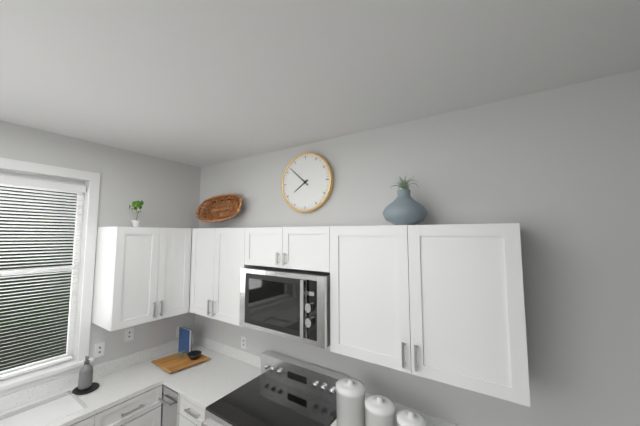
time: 7:52
